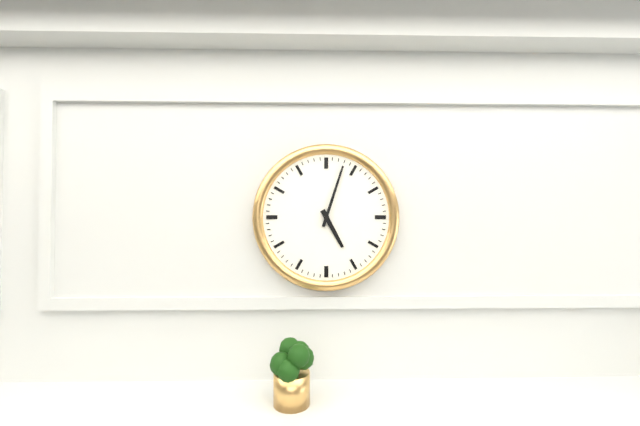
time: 5:03
